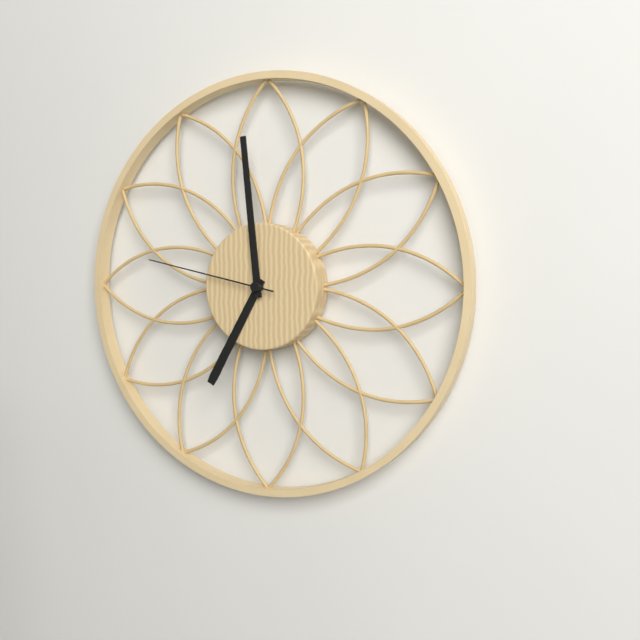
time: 6:59:47
